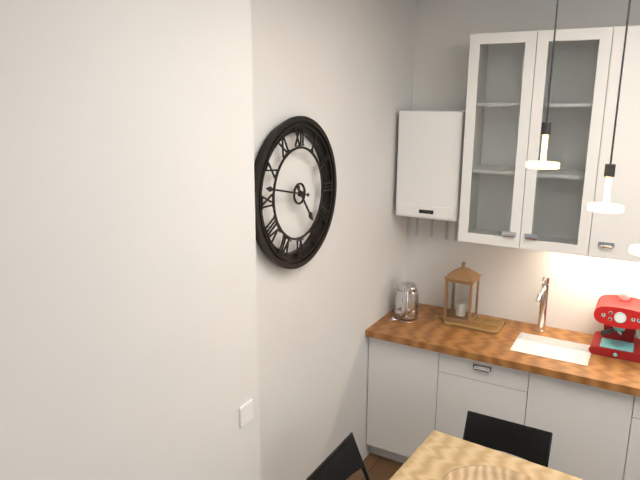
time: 4:47
